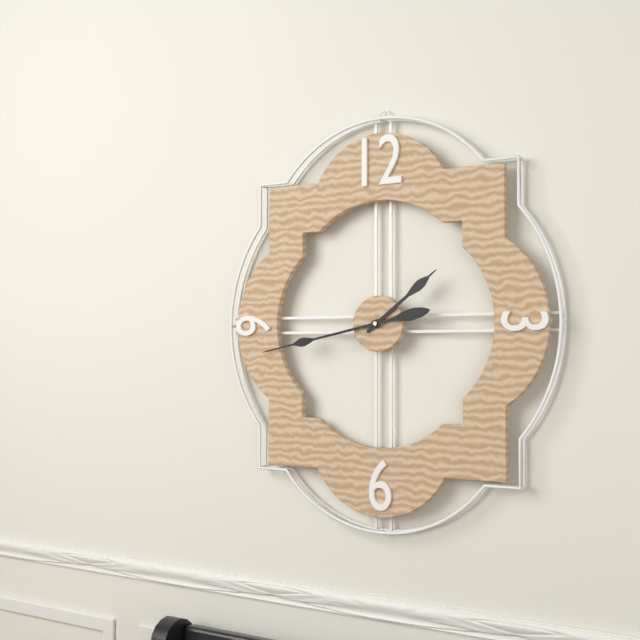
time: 1:43
